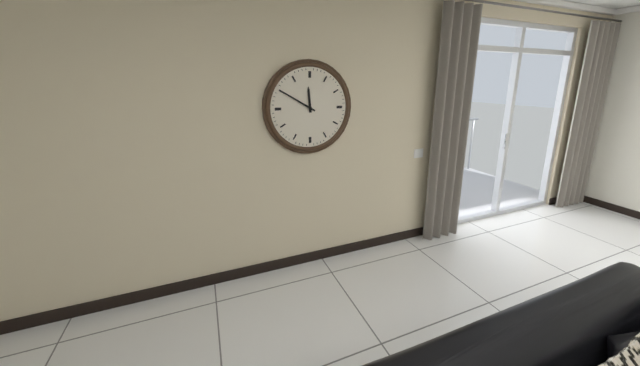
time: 11:50
